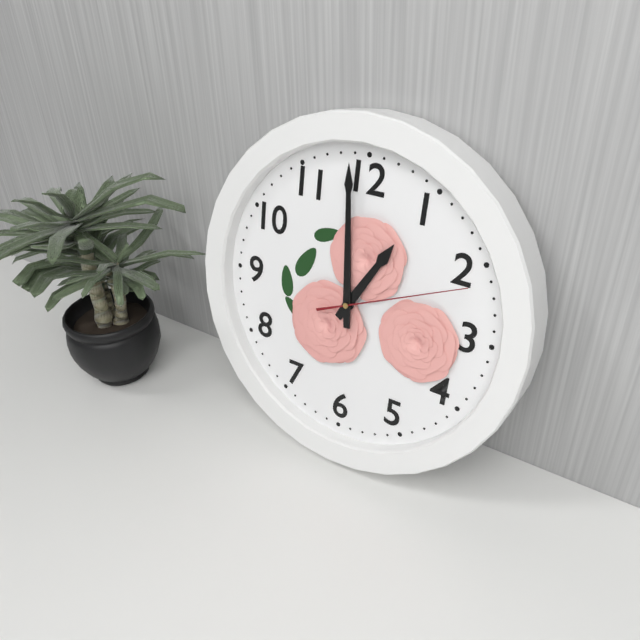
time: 12:59:11
